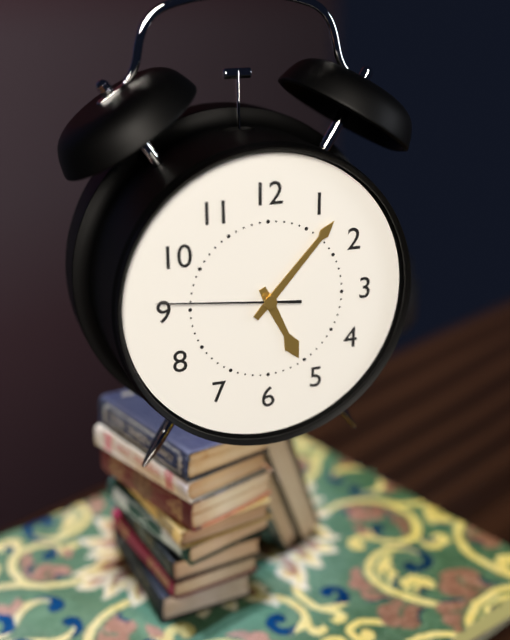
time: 5:07:46
